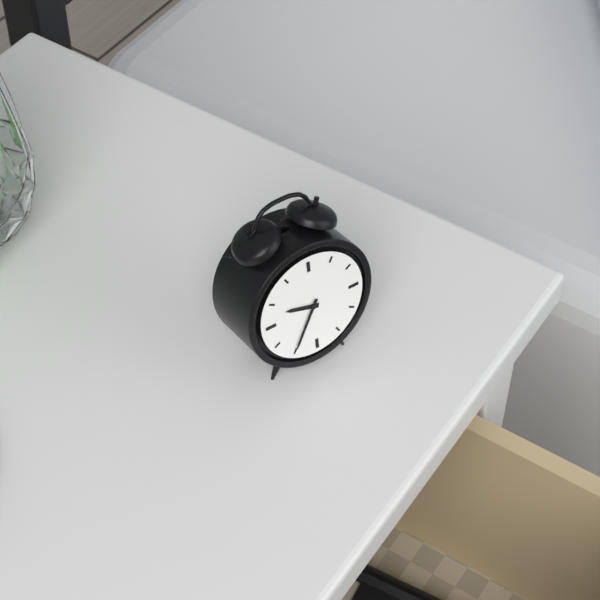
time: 9:35
